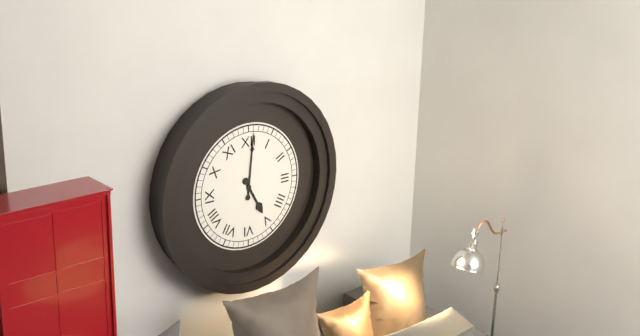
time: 5:01
